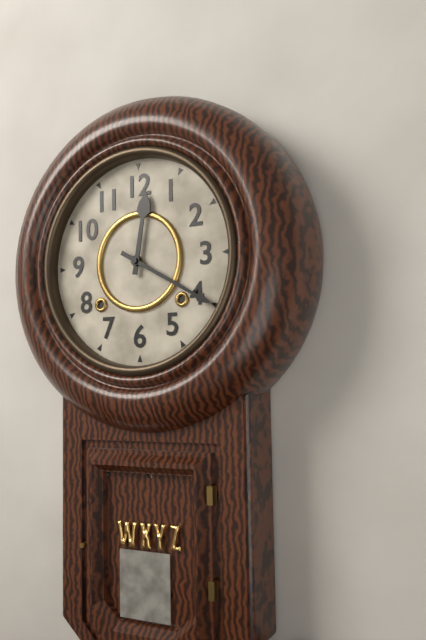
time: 12:20
